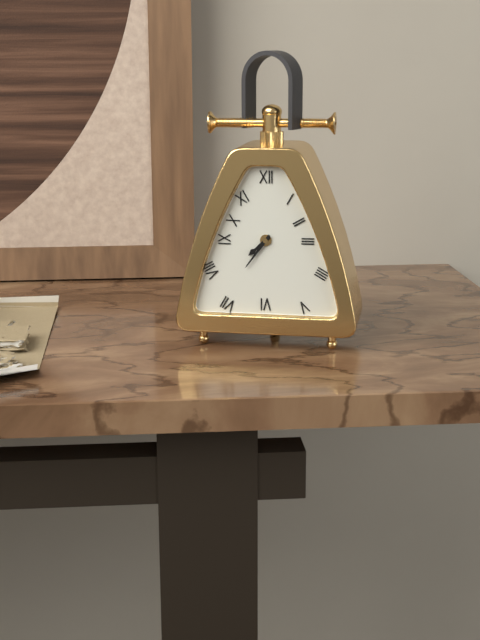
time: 7:36
